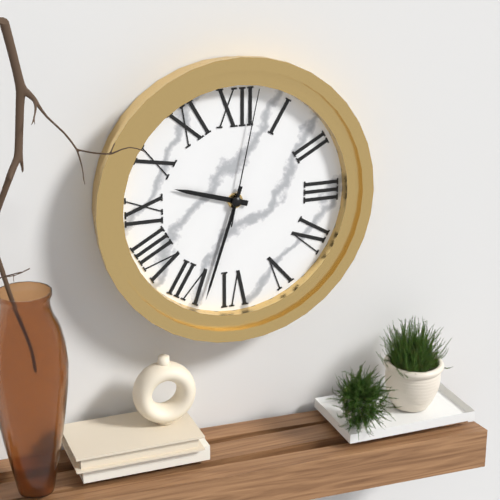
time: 9:33:02
